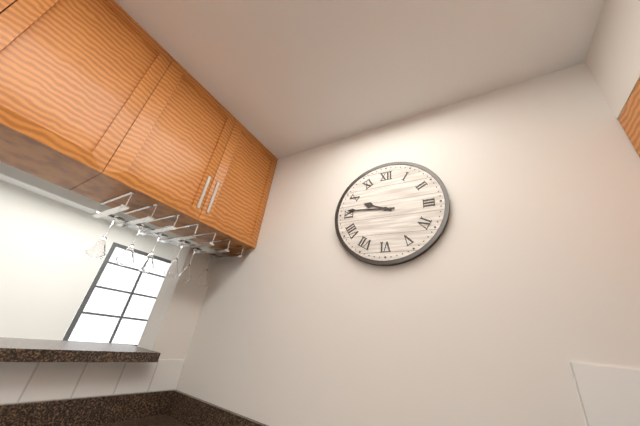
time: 9:46
